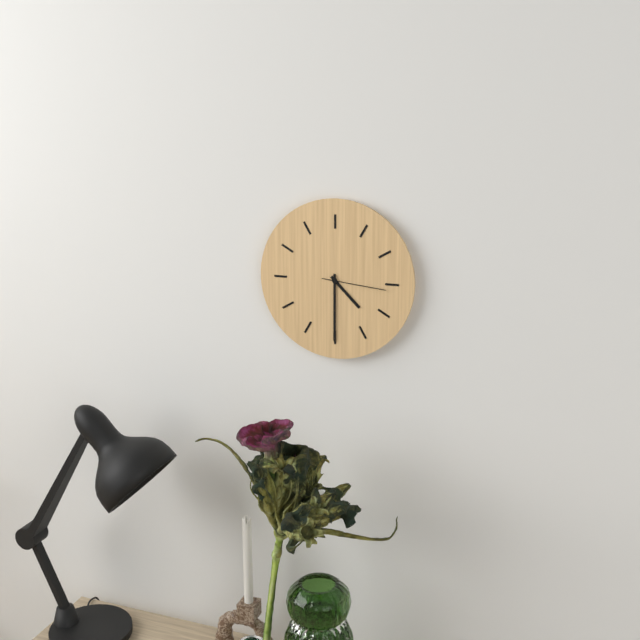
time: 4:30:16
